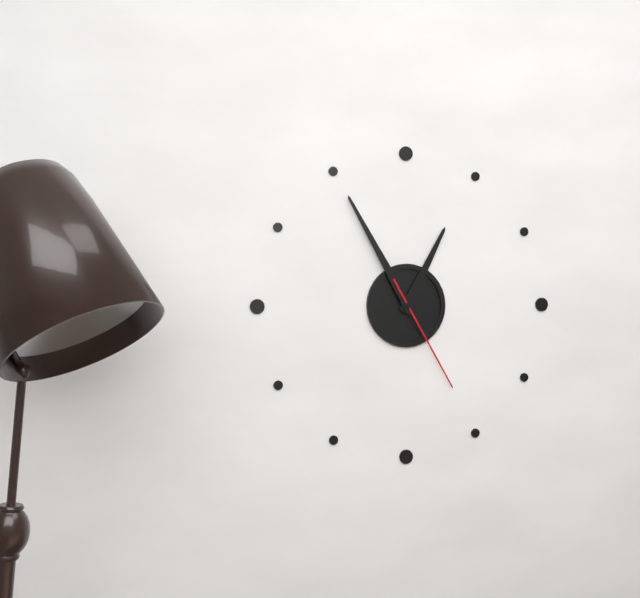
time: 12:55:25
